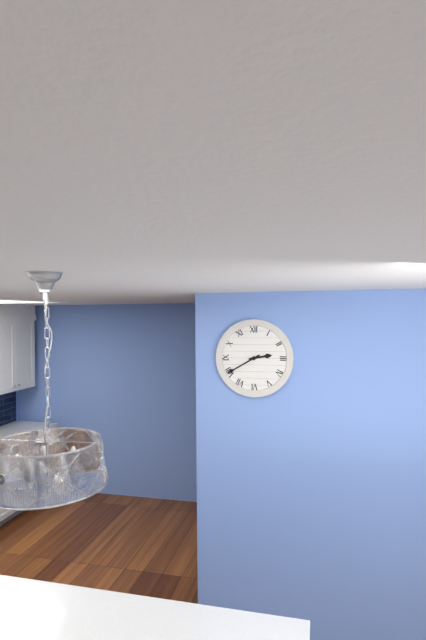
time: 2:40
